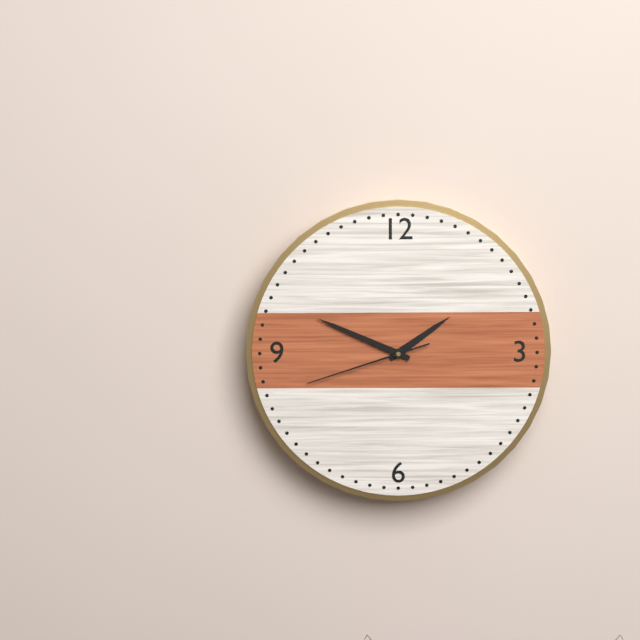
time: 1:49:42
